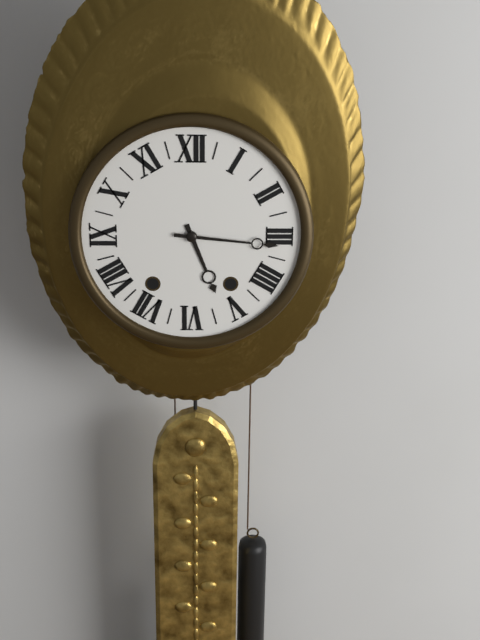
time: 5:16
